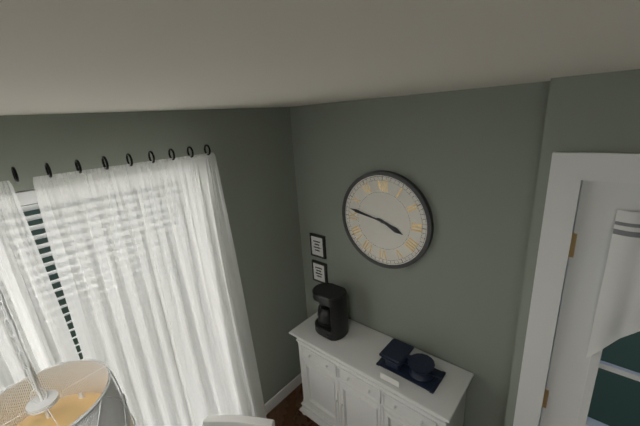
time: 3:47
